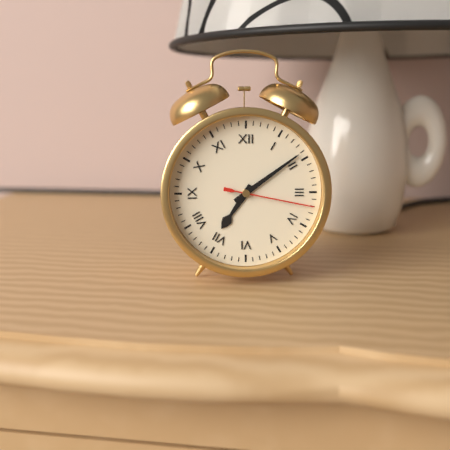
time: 7:09:17
